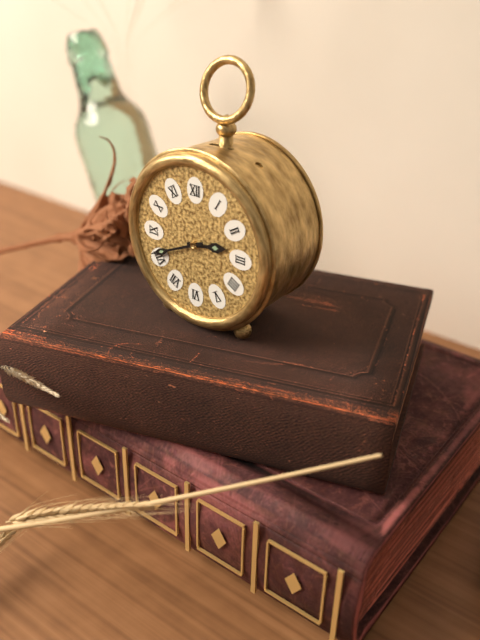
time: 2:41
